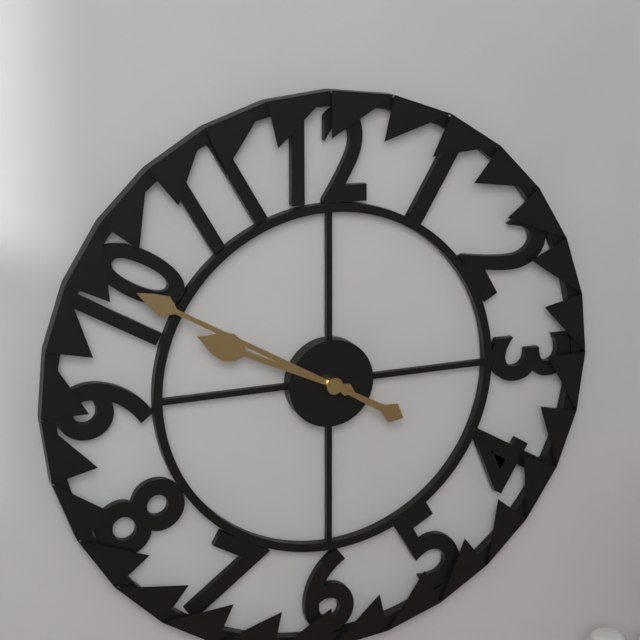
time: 9:50
